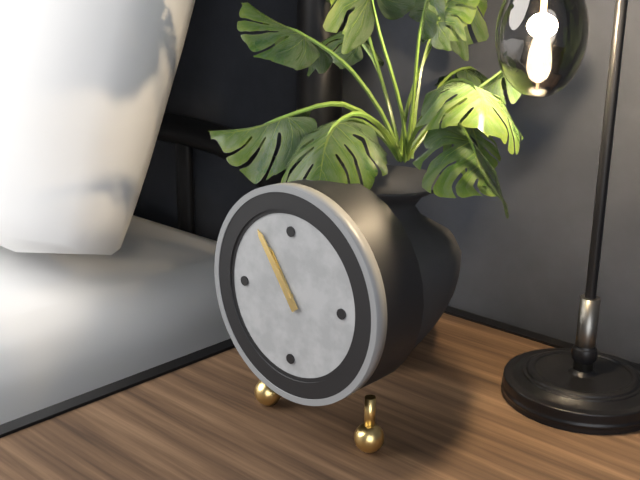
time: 10:54
